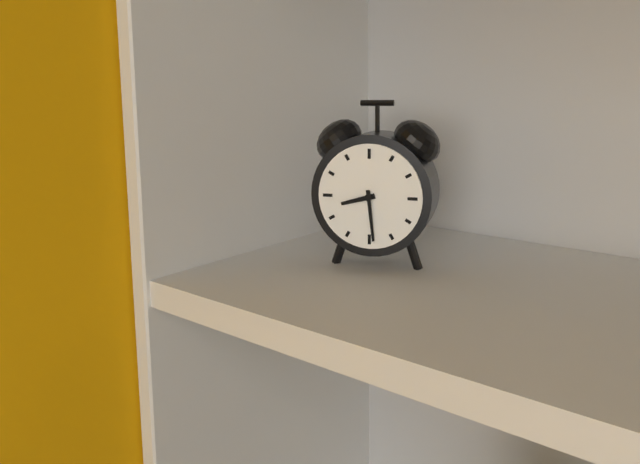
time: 8:29
